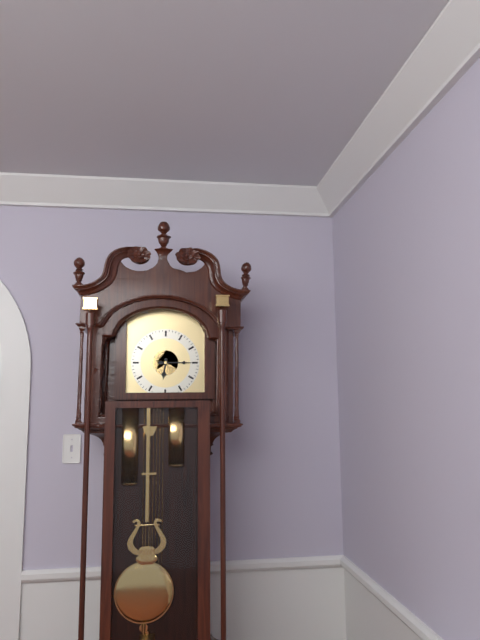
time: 6:15
